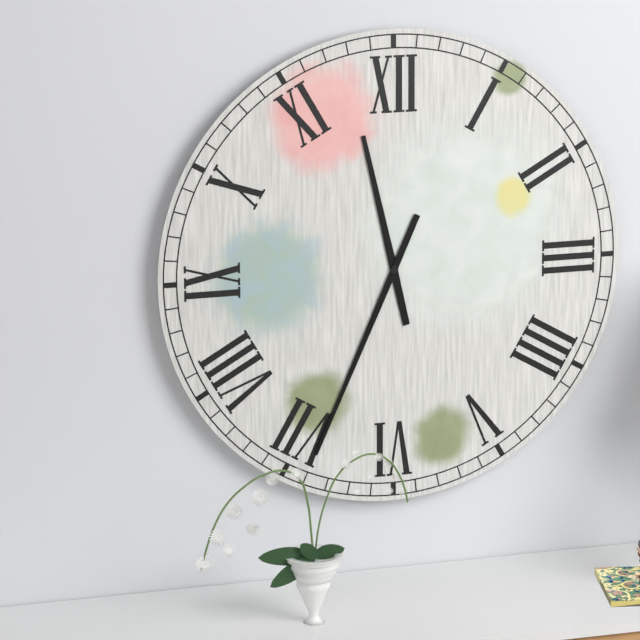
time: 11:34
